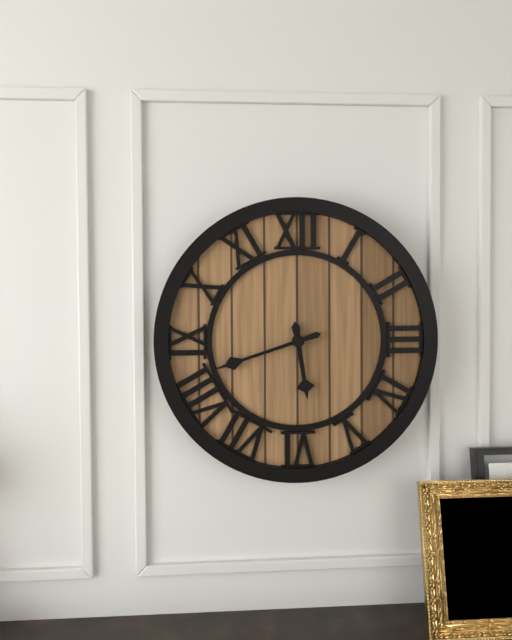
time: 5:42
